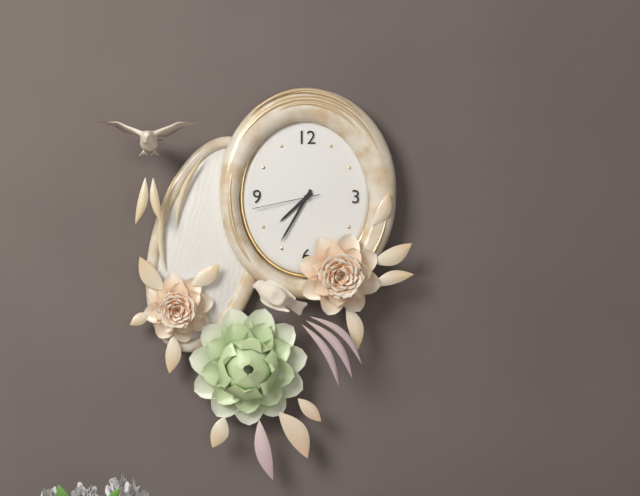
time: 7:35:43
